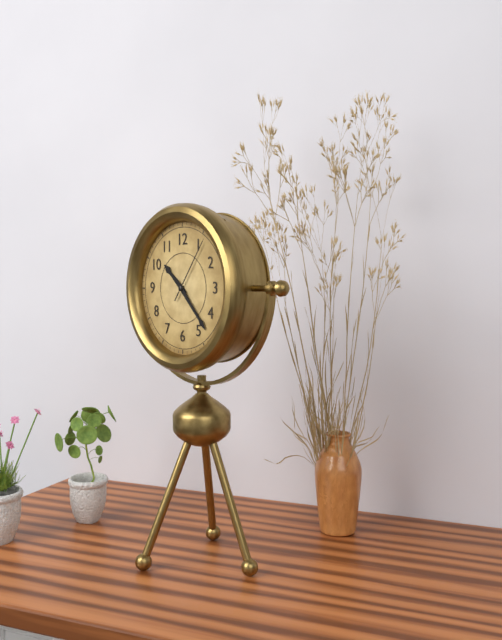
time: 10:23:06
